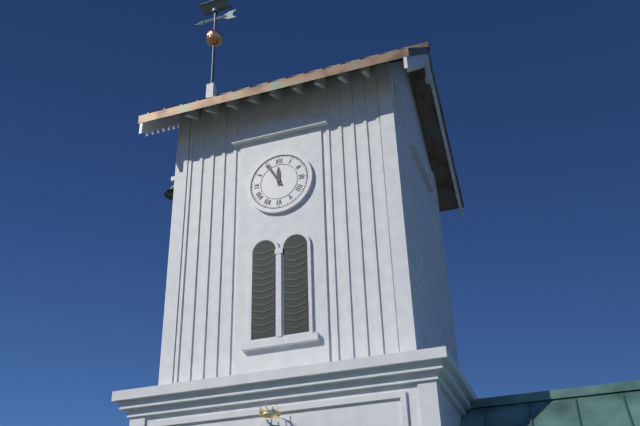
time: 11:55
